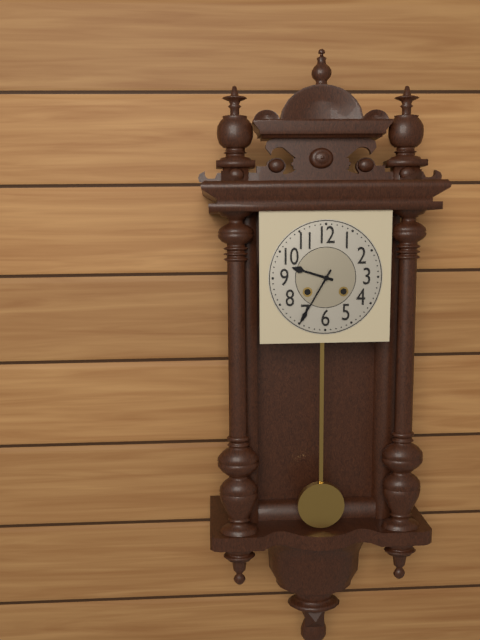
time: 9:35
